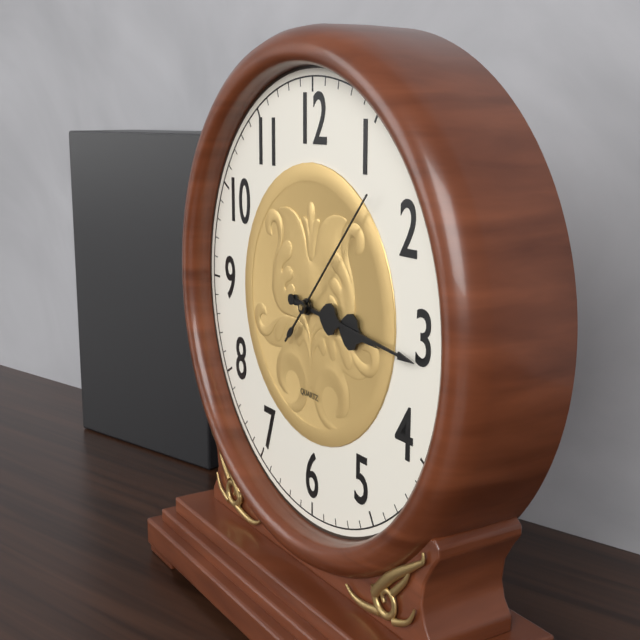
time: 3:16:07
